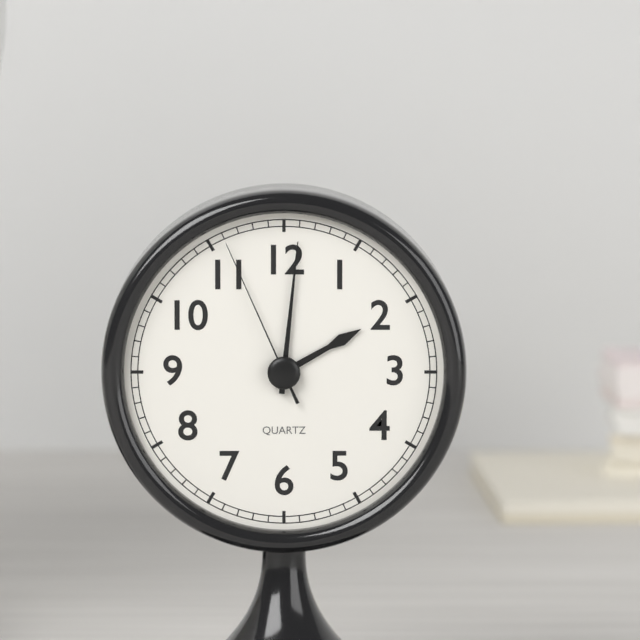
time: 2:01:56
